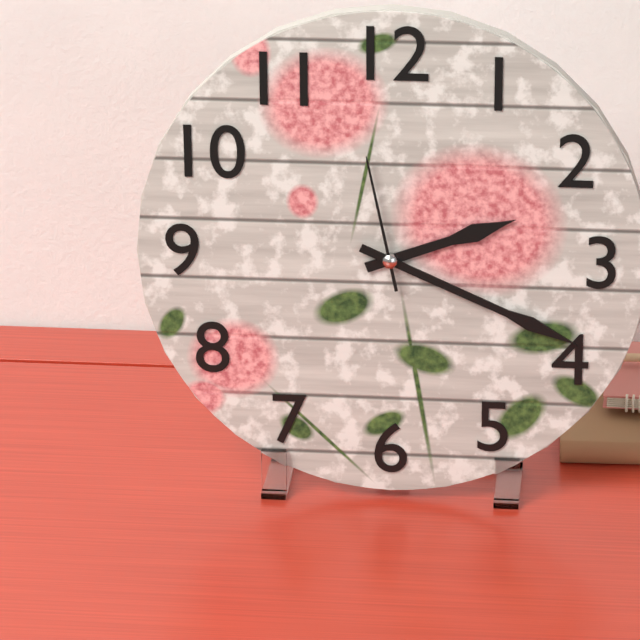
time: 2:19:58
